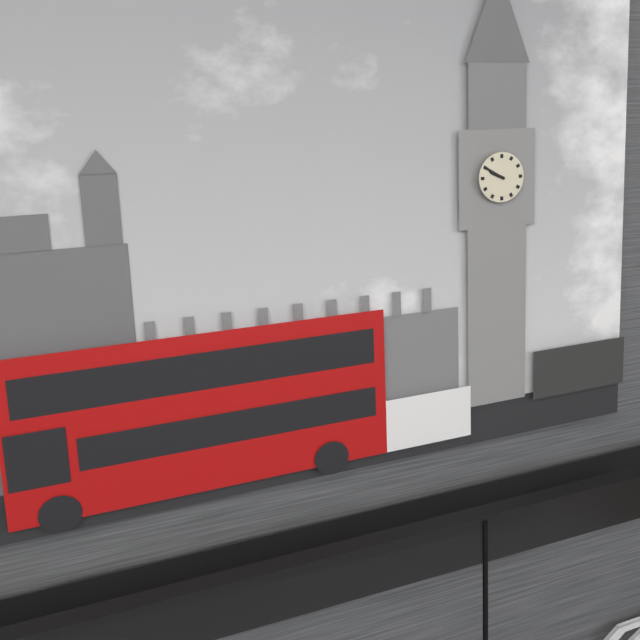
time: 9:50
